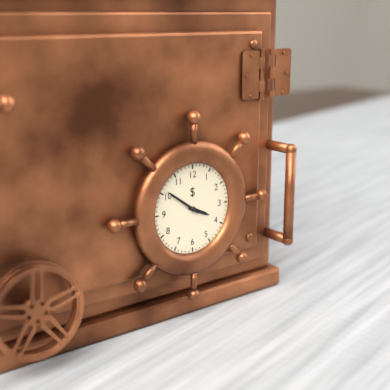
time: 3:51
